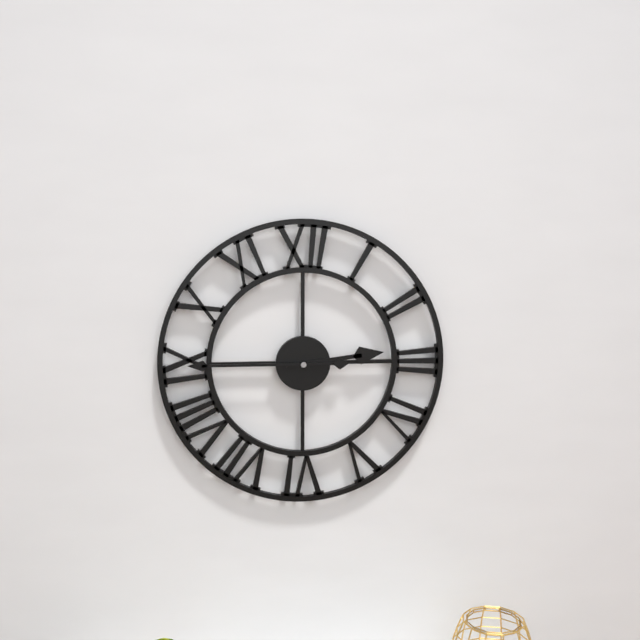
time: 2:45
